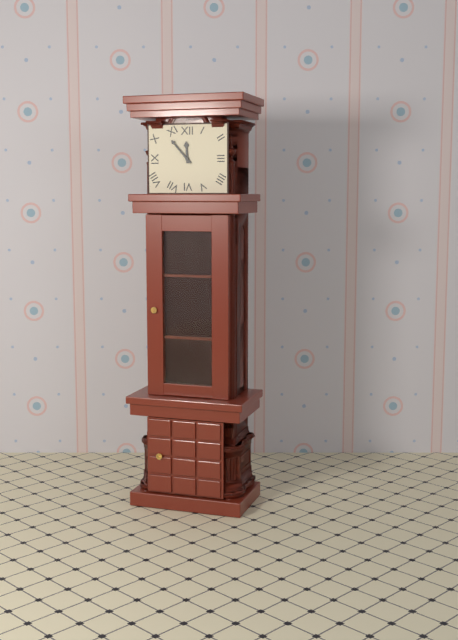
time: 11:53
